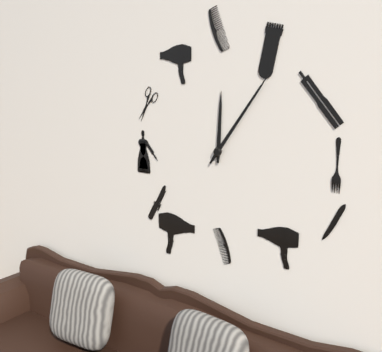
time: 12:06
